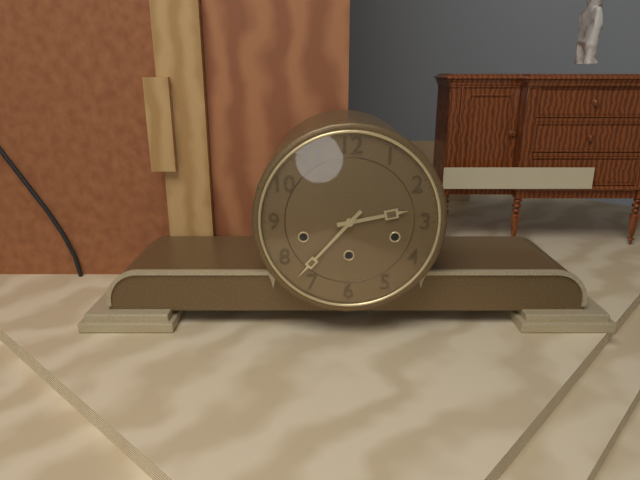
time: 2:37
